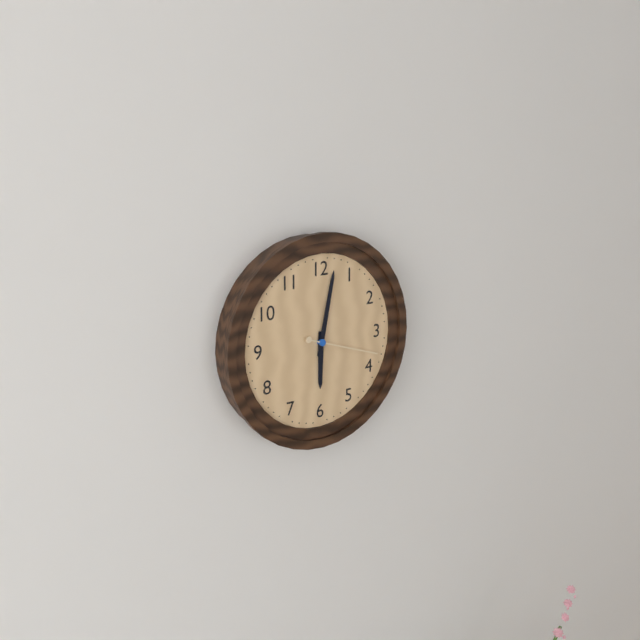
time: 6:02:18
